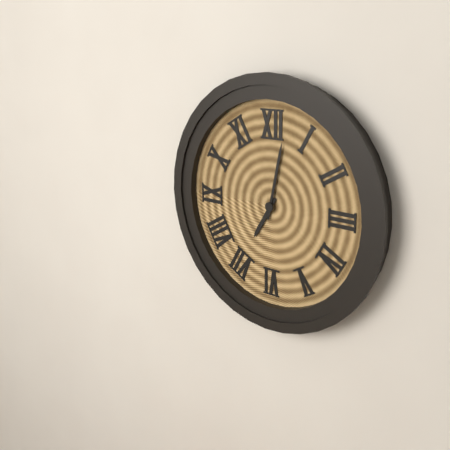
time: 7:02
